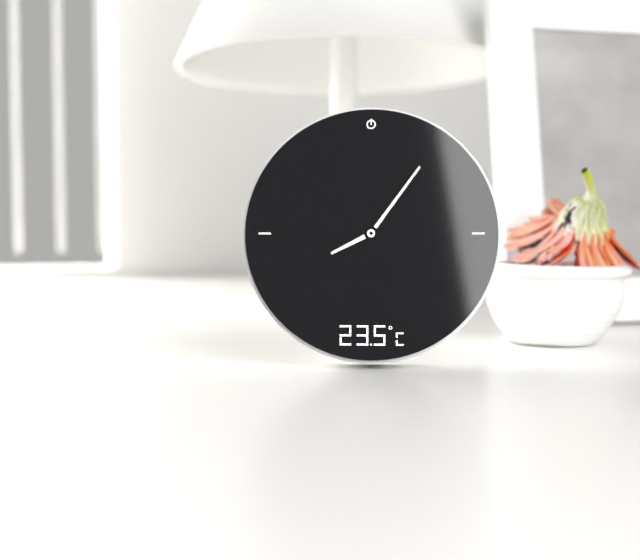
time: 8:06
